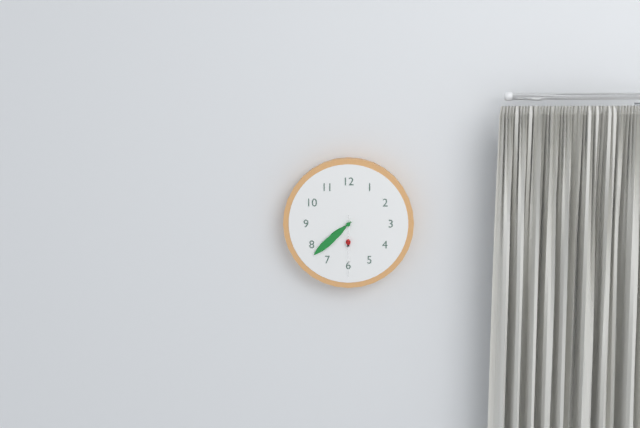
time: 7:38:30
